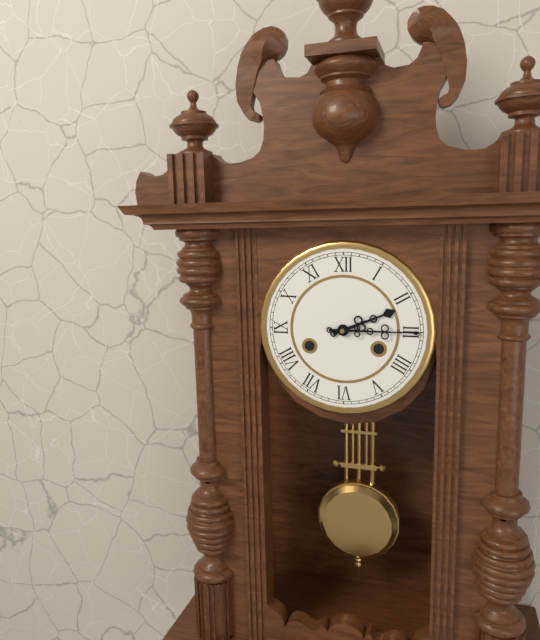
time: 2:15
